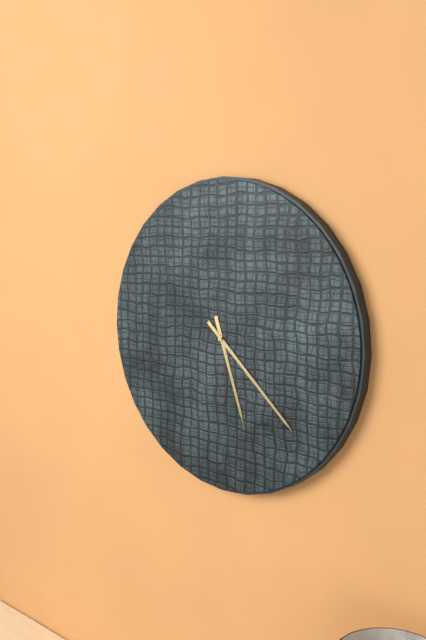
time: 5:22
